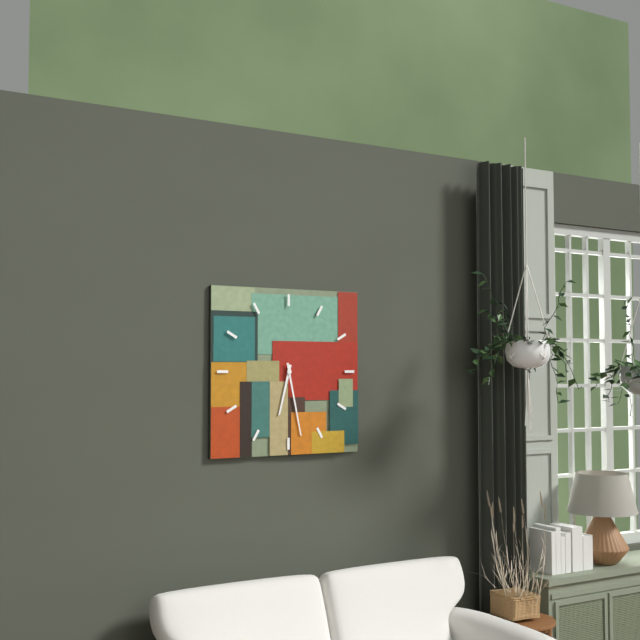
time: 6:28
